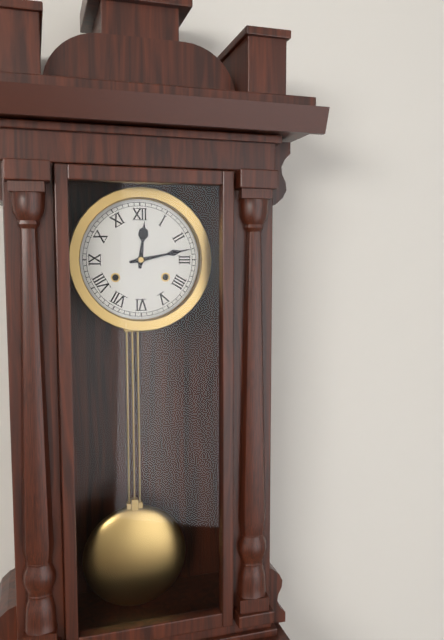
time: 12:13
